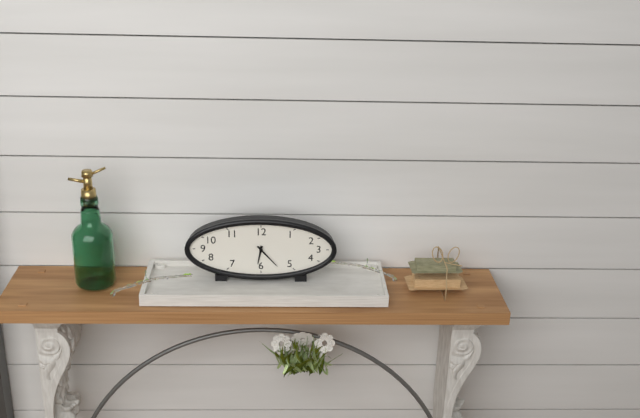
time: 6:23
